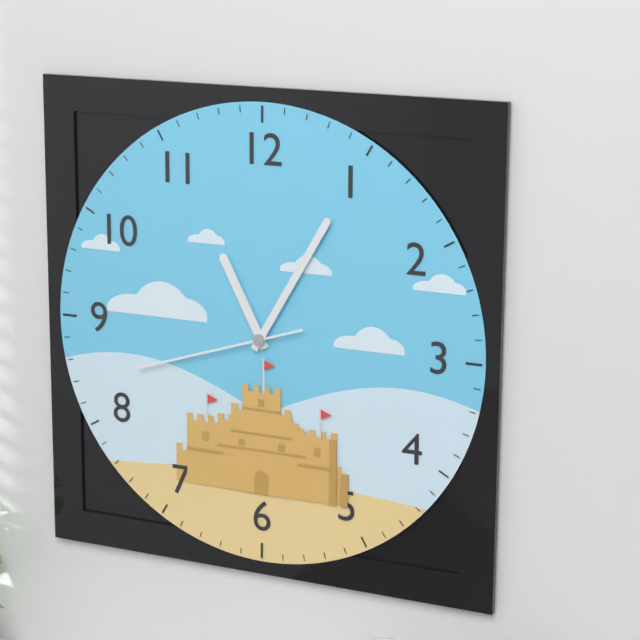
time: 11:05:42
